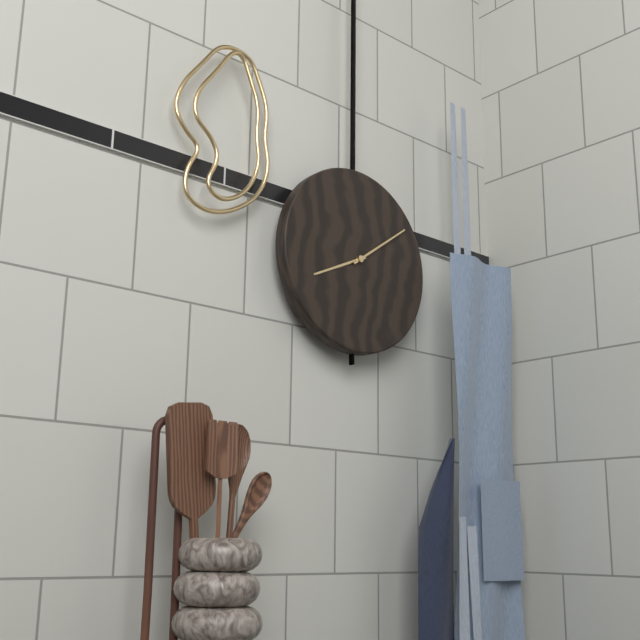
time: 8:09
